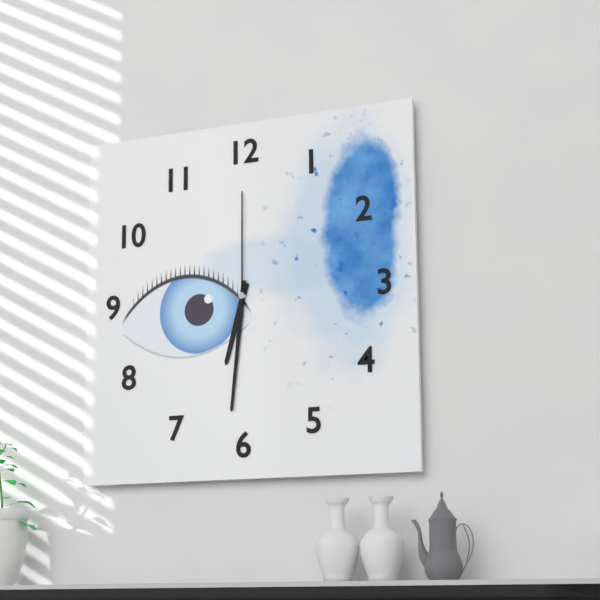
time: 6:31:00
